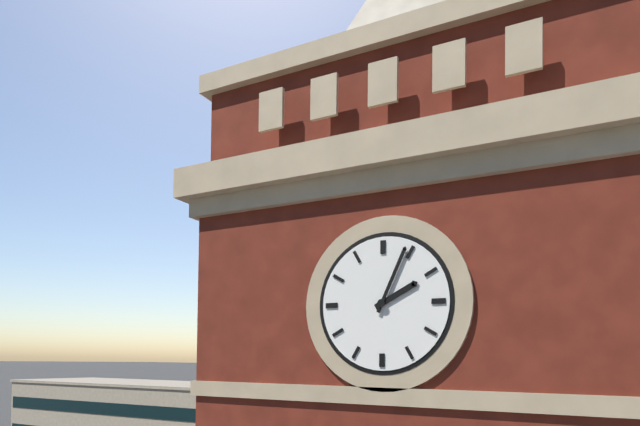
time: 2:04
